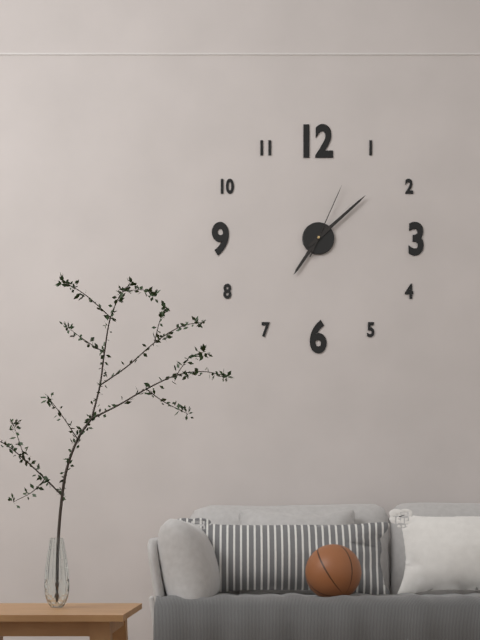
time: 7:08:04
